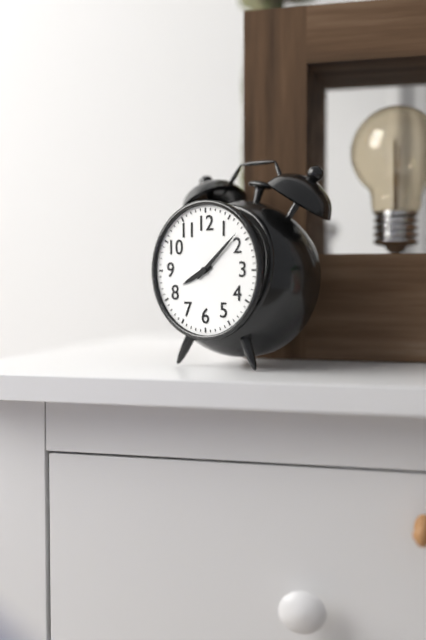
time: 8:08
